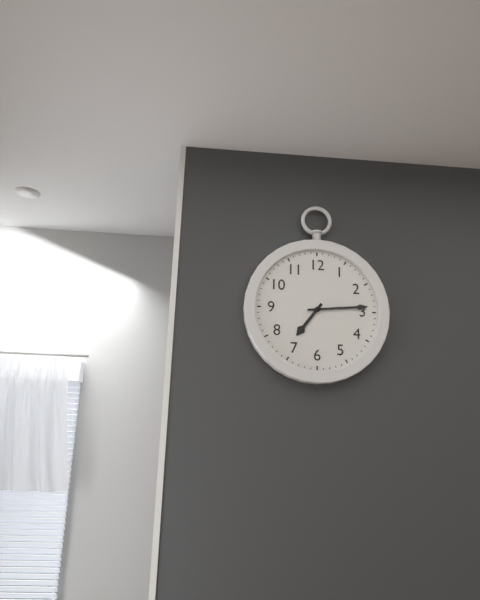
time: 7:14
